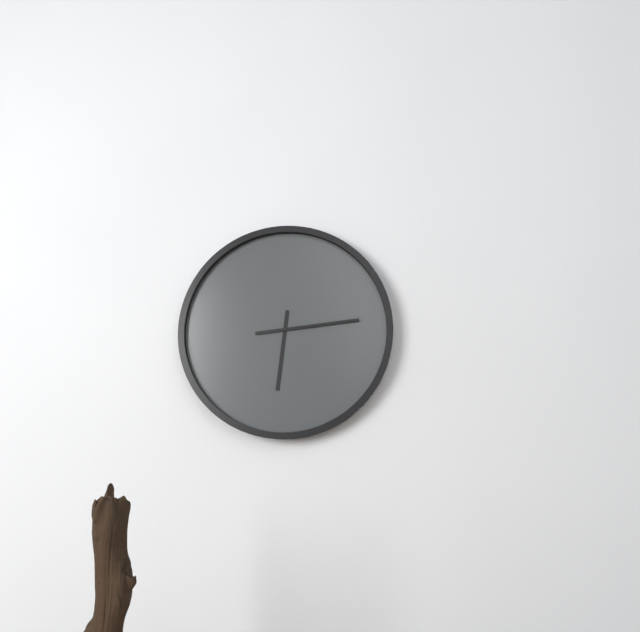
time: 6:14
